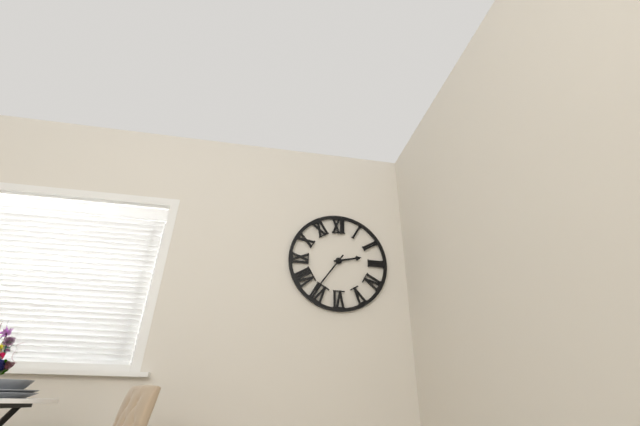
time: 2:36
